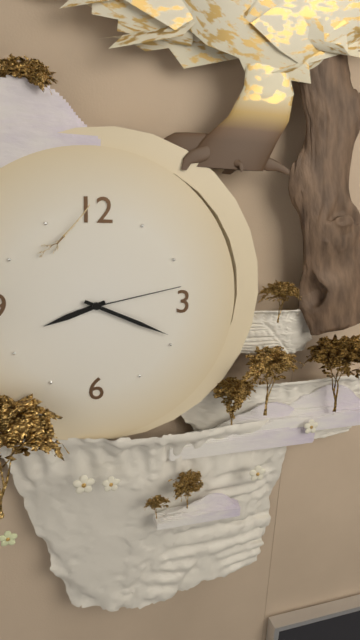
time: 8:19:13
